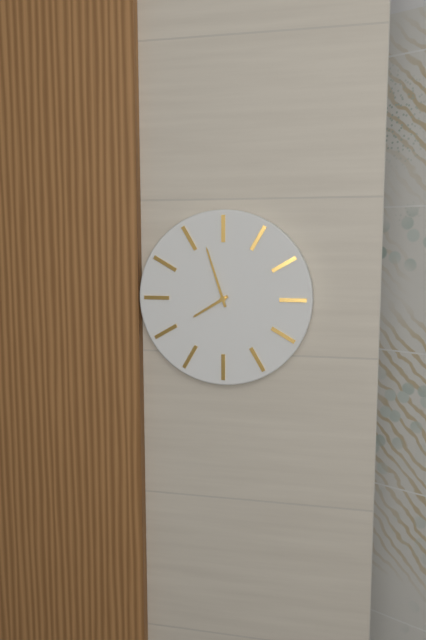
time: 7:57
